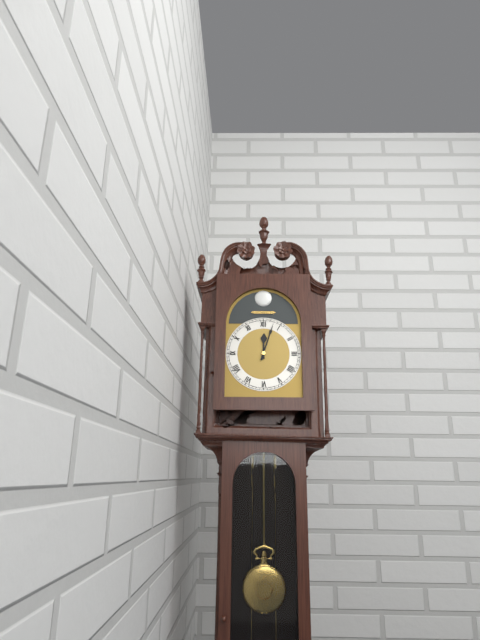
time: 12:03
